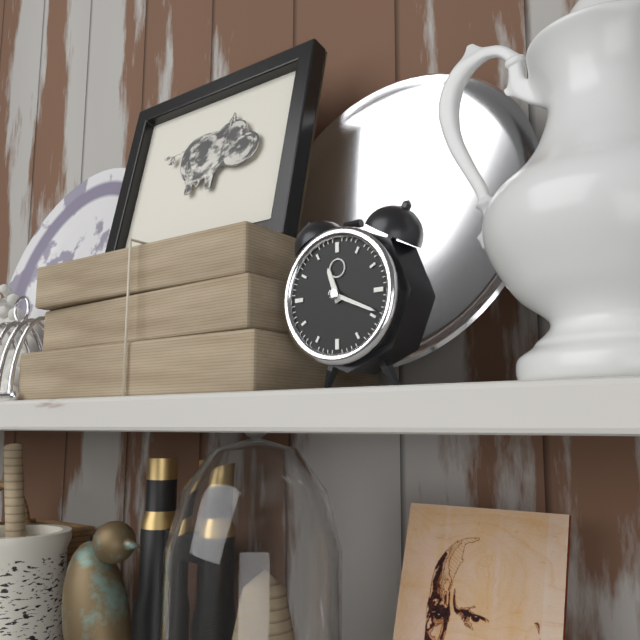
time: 11:19
